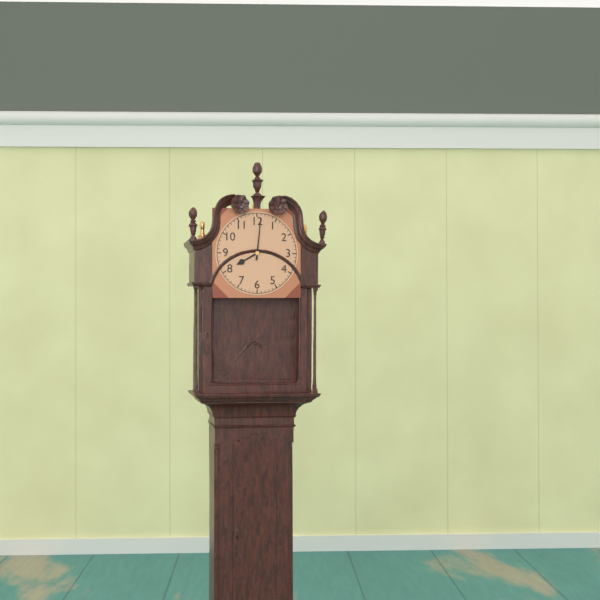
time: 8:01
